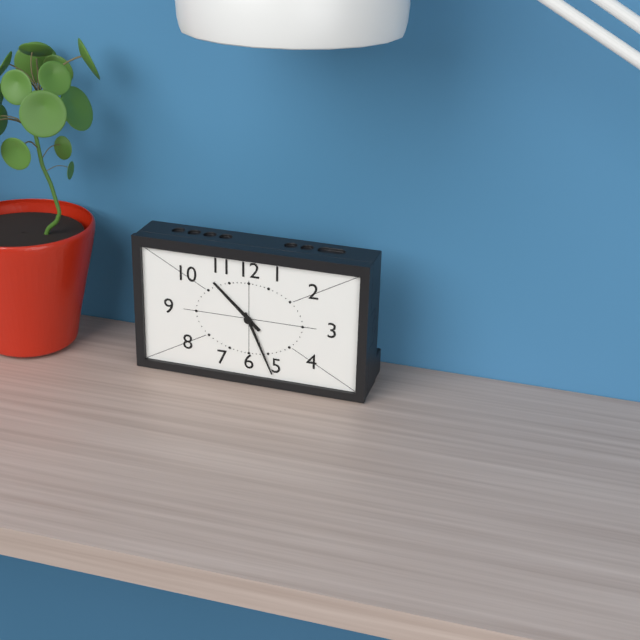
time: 10:26
